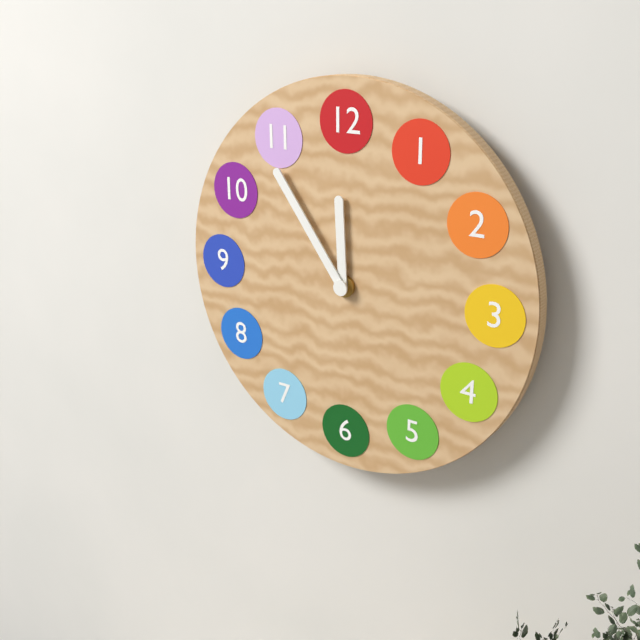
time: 11:54
